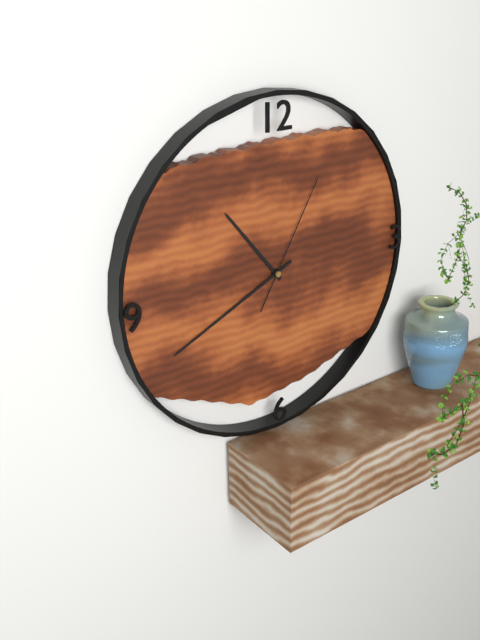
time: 10:41:05
